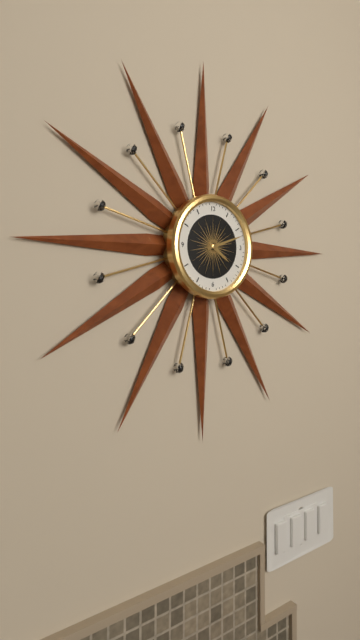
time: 4:12
